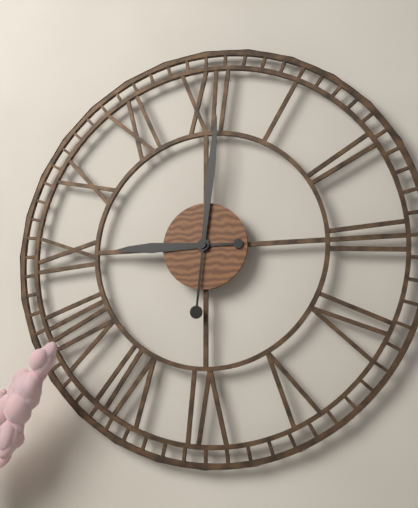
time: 9:01
